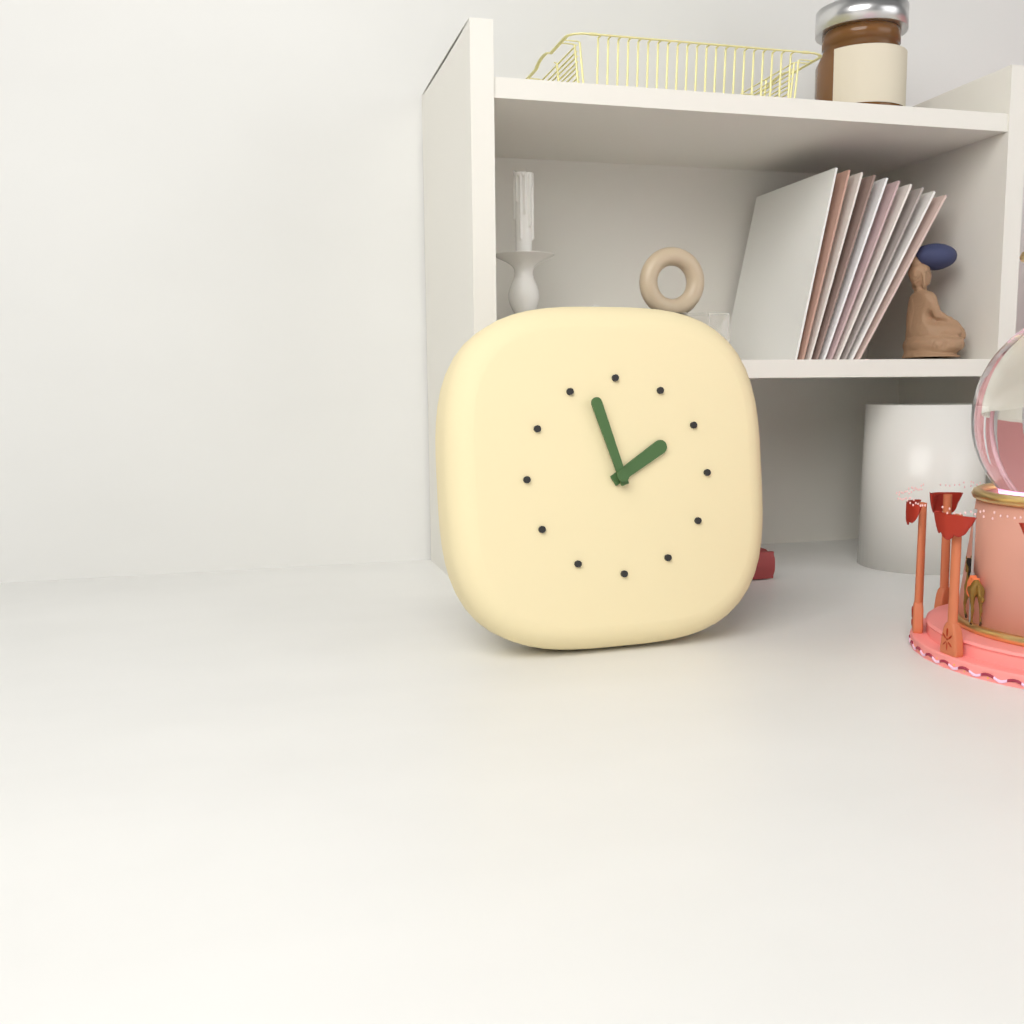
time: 1:57
